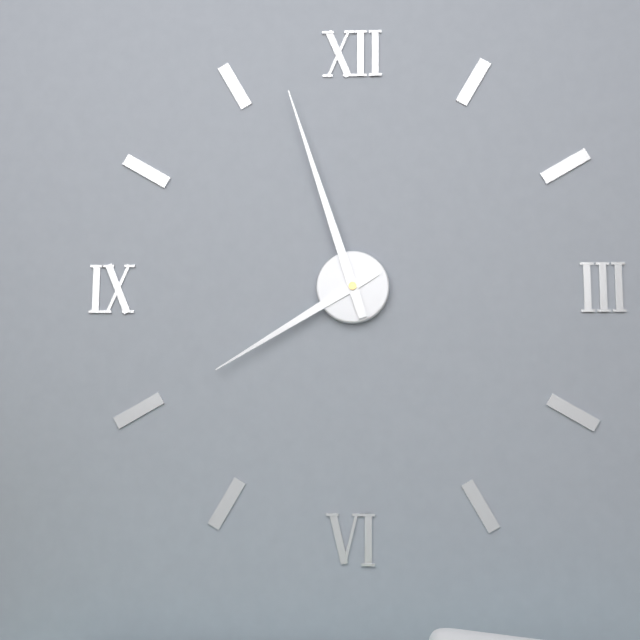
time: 7:57
